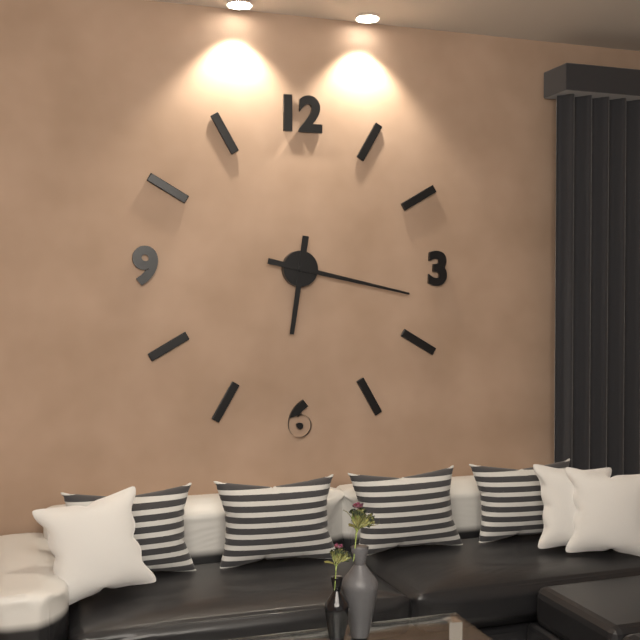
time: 6:17
